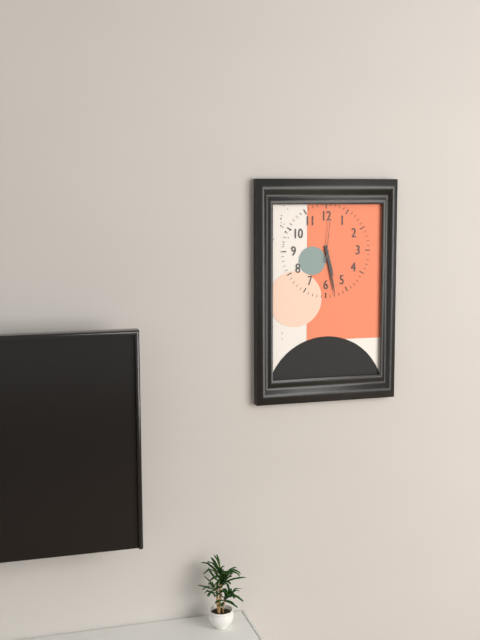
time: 5:28
